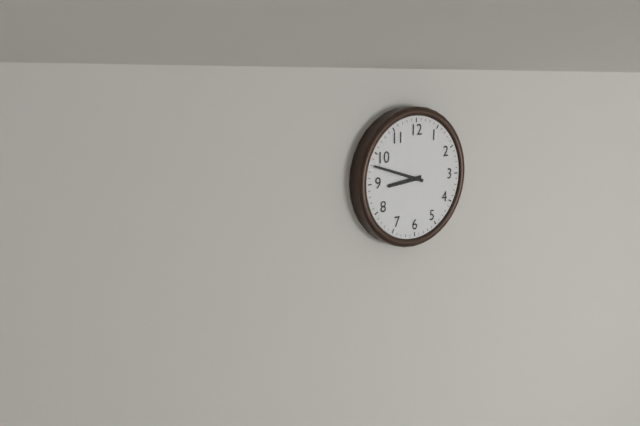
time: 8:48
